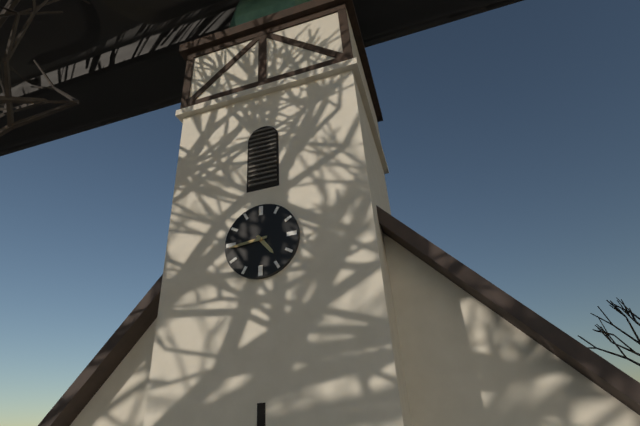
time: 4:44
